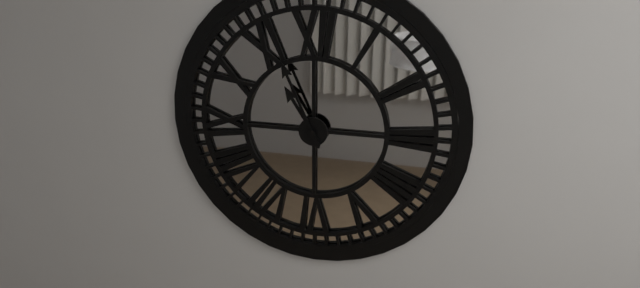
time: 10:56
